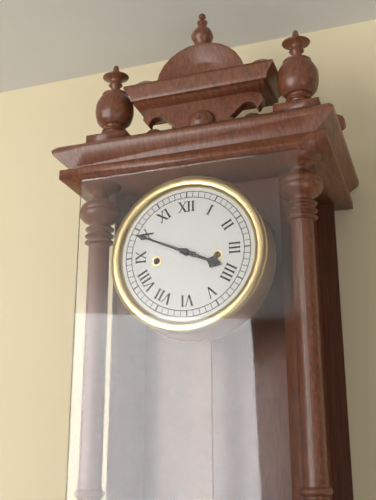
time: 3:49
